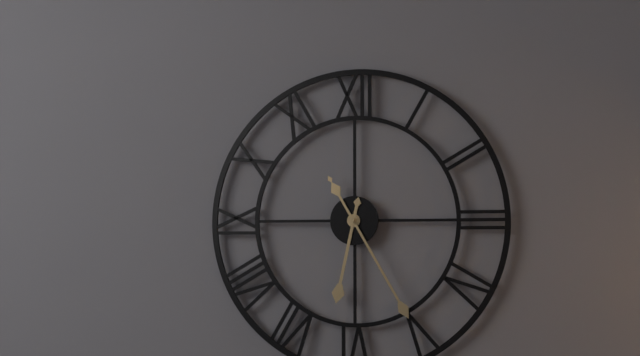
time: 6:25
